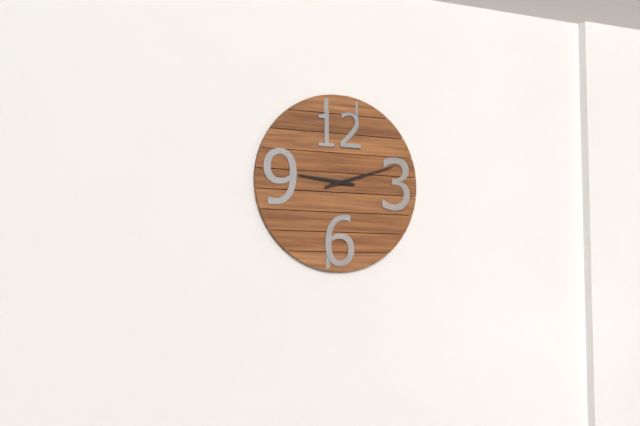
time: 9:12
